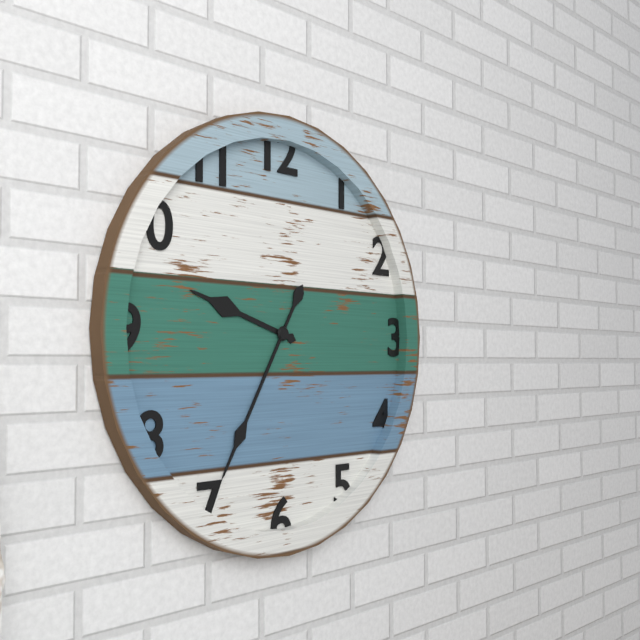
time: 9:35
